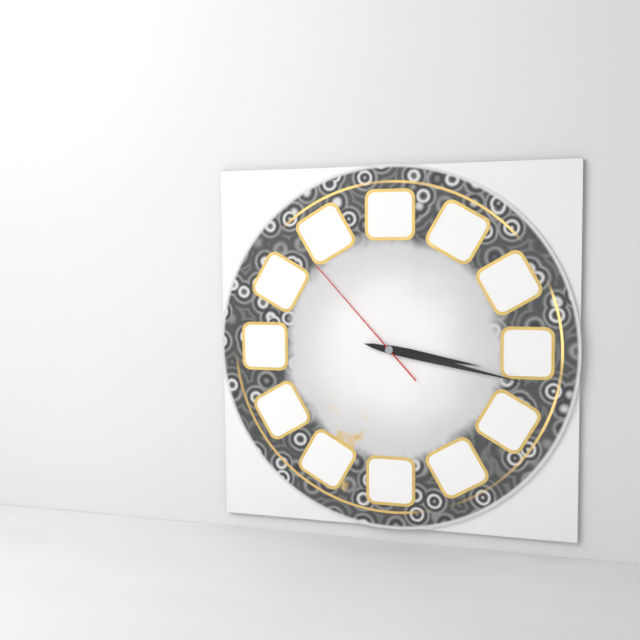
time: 3:17:53
